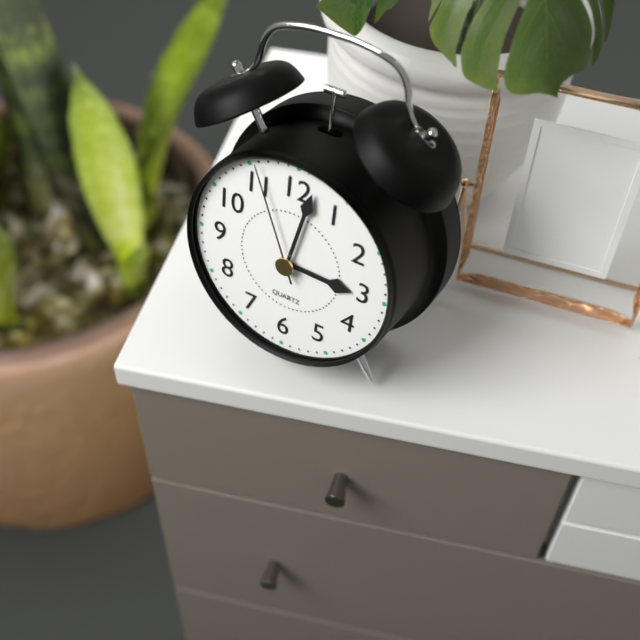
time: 3:02:56
